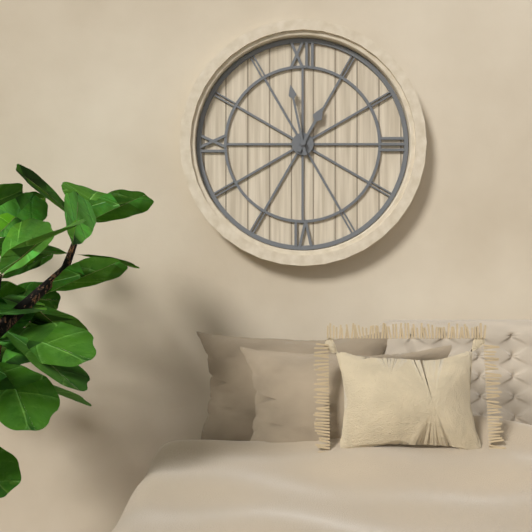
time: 12:58
